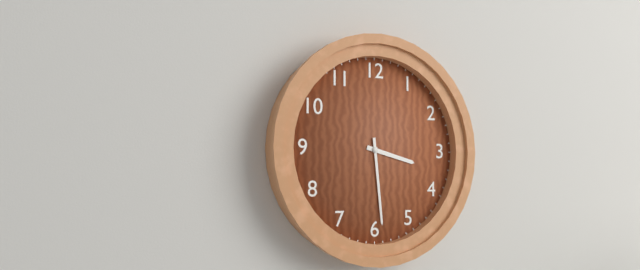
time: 3:29
